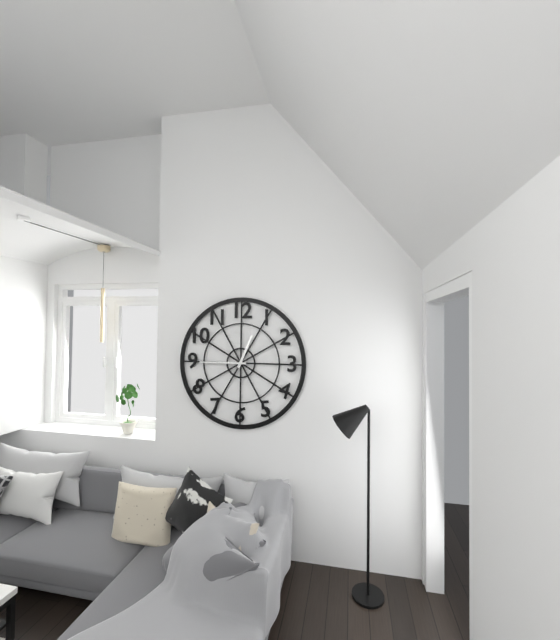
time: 12:45
